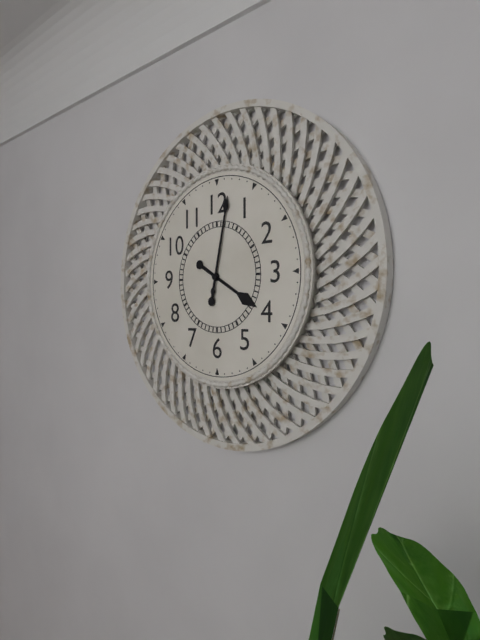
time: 4:02
